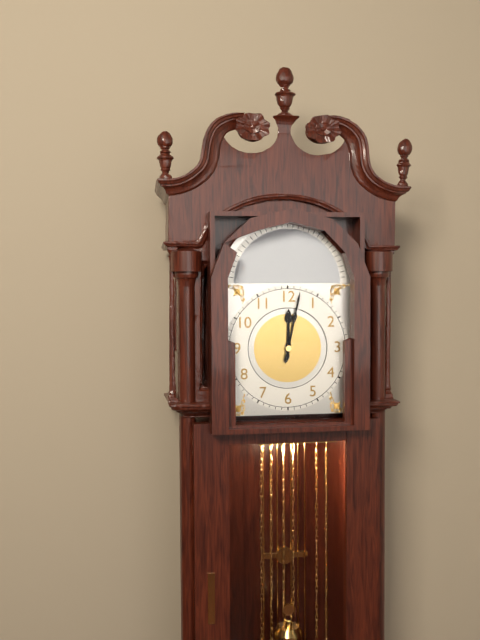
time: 12:02
